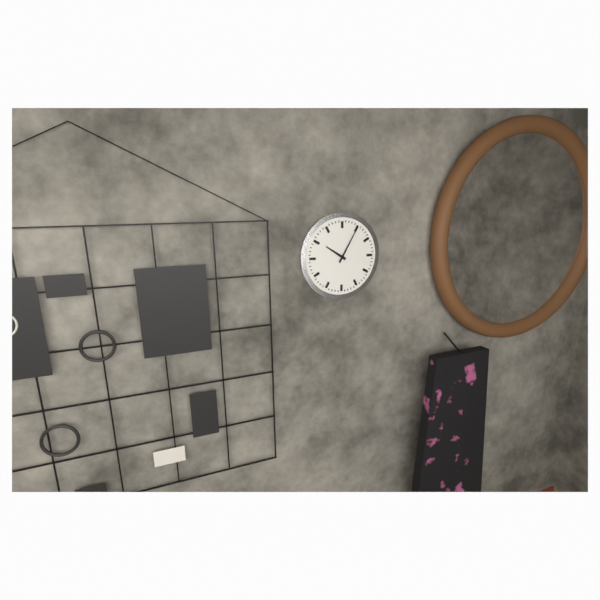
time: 10:05
